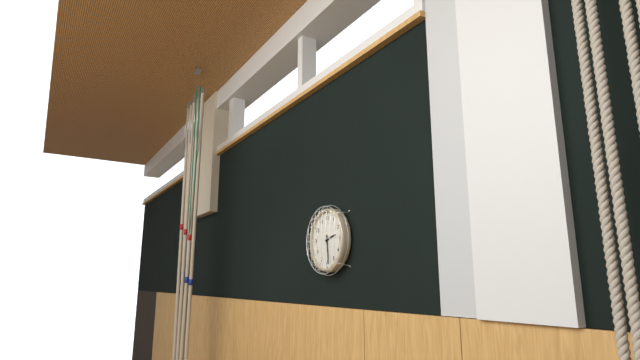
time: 2:29
